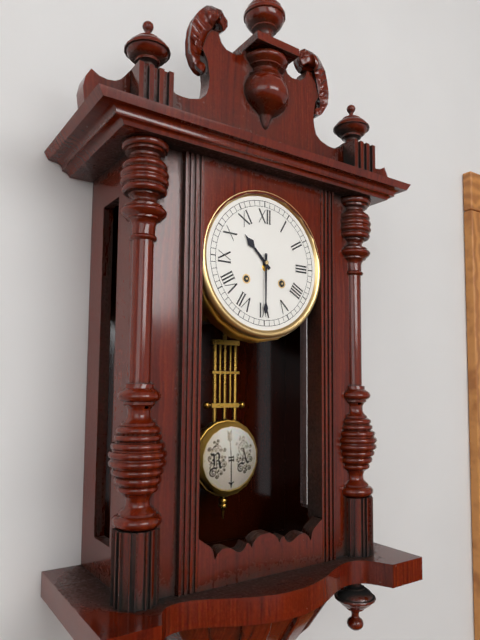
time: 10:30
